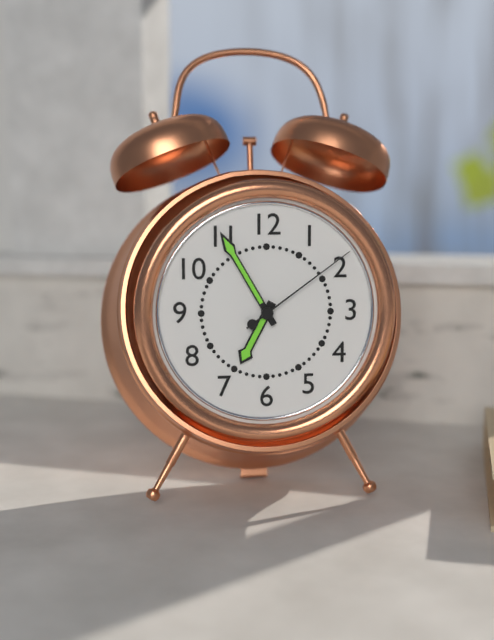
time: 6:55:09
